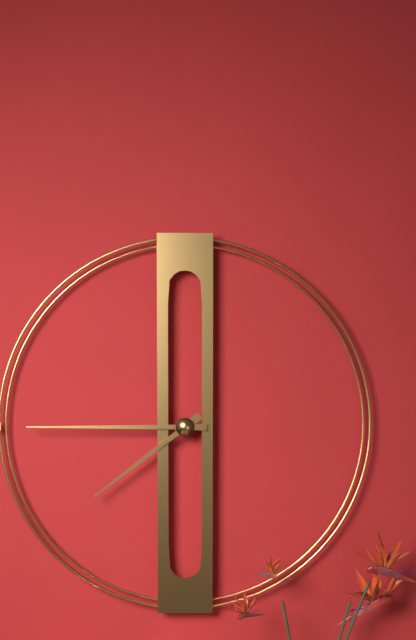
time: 7:45
